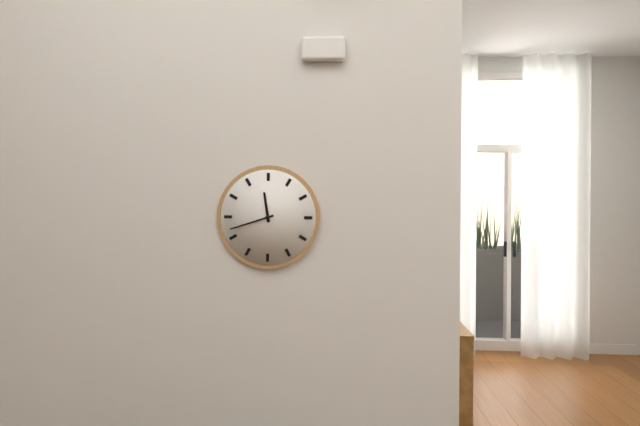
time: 11:42
